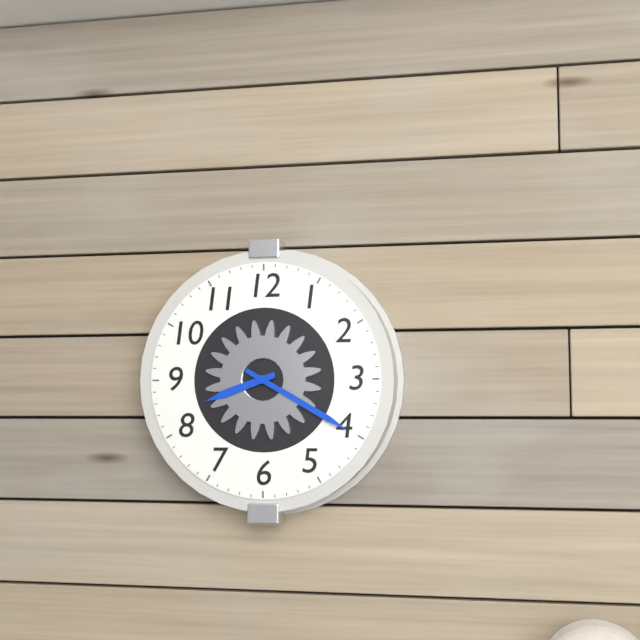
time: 8:20
